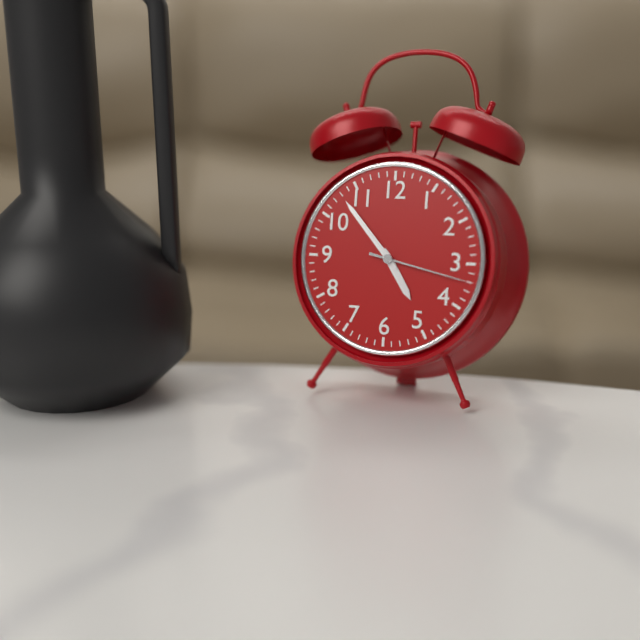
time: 4:53:17
